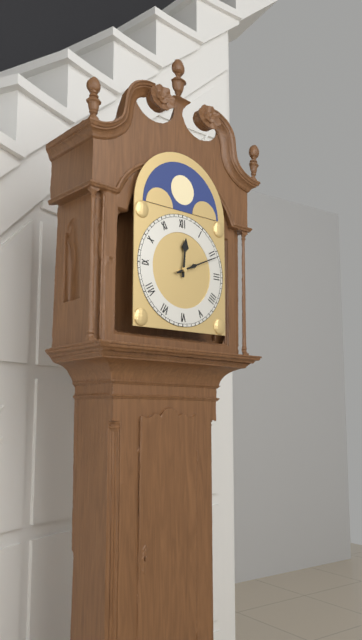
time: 12:11
